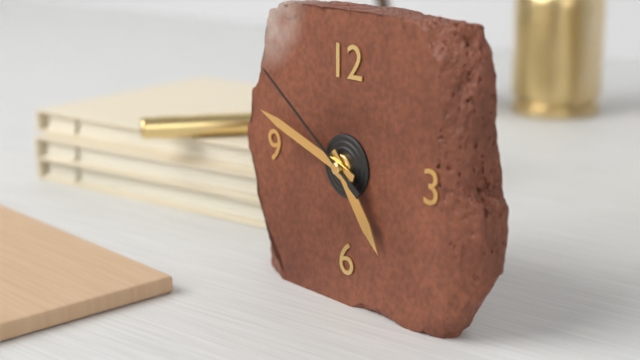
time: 4:48:51
